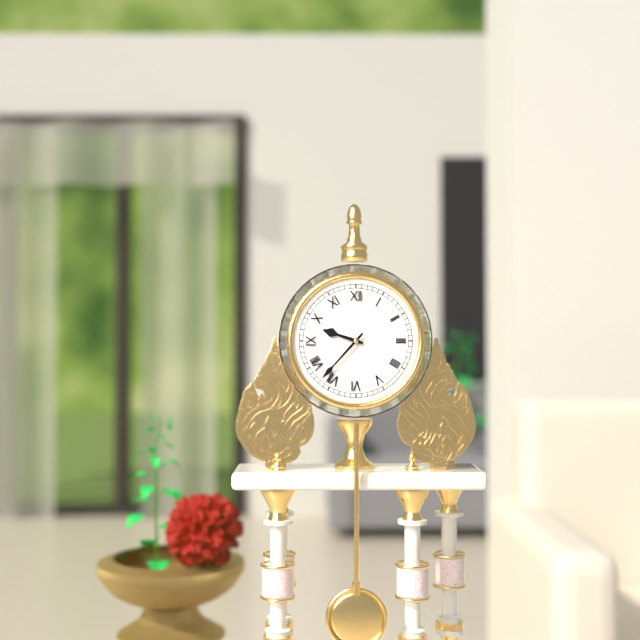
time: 9:37
